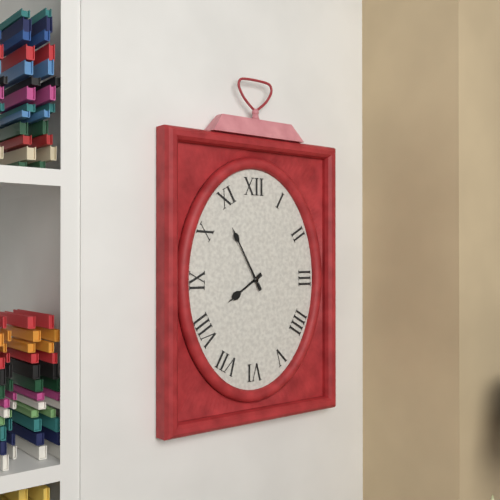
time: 7:55
